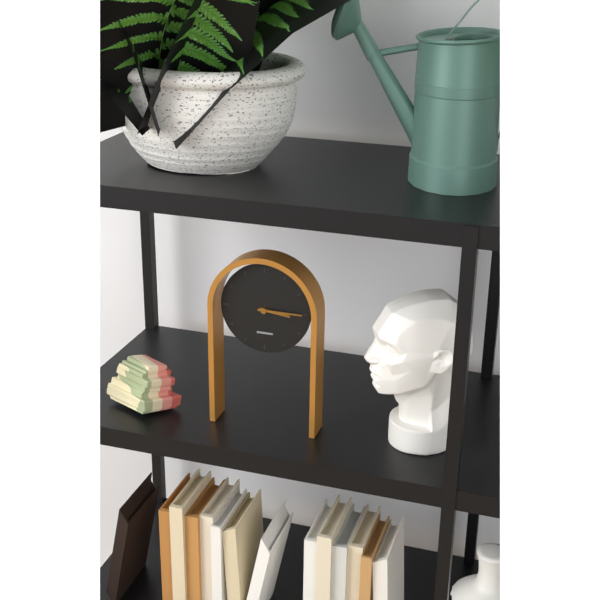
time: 3:15
